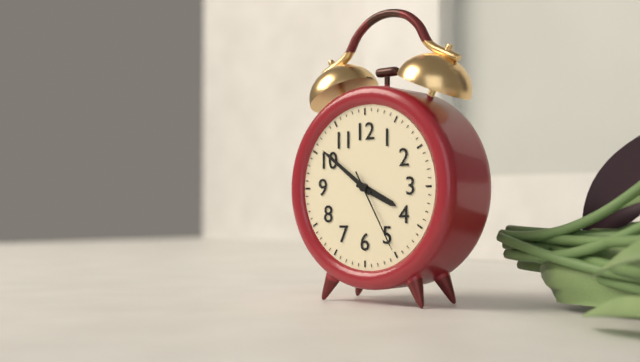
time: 3:51:25
